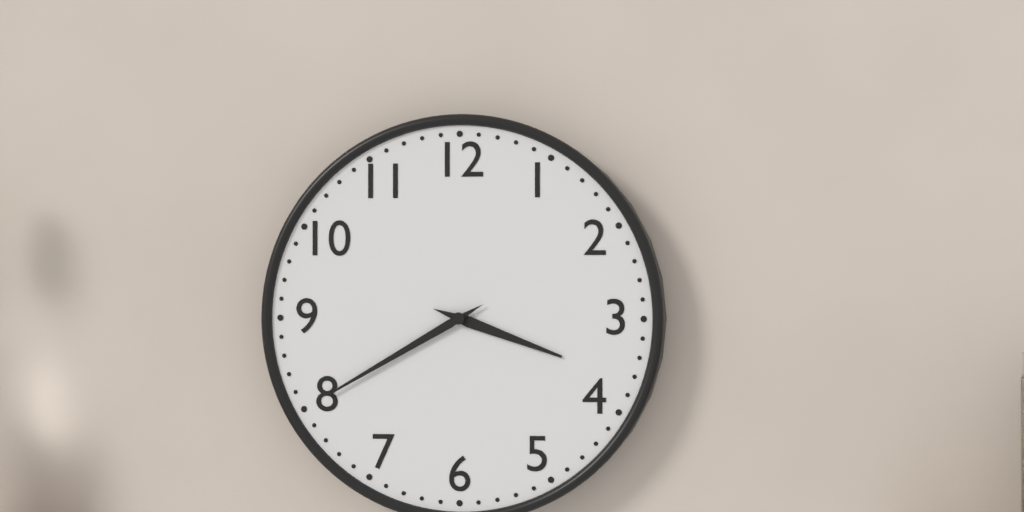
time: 3:40
